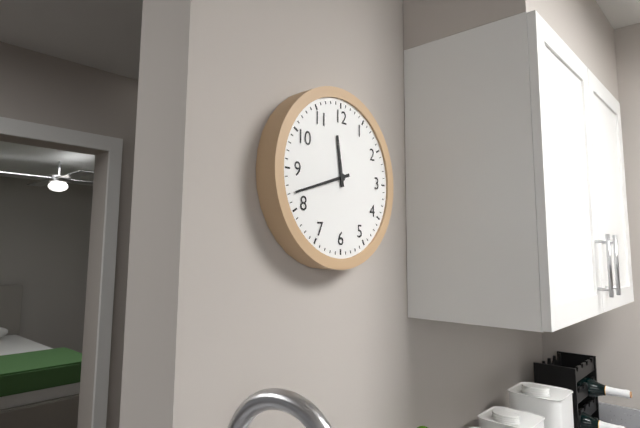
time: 11:42
